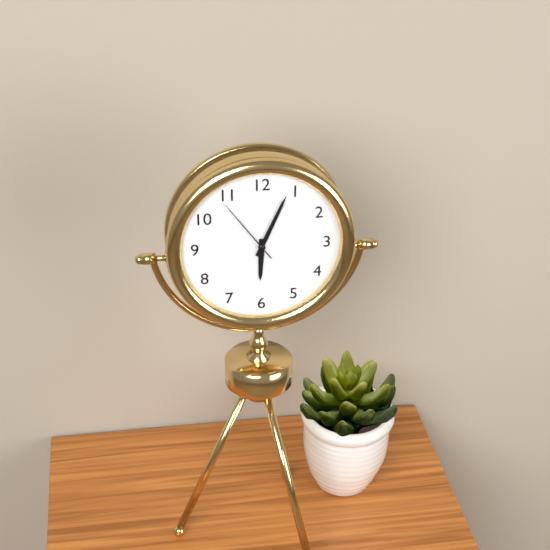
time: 6:04:54
